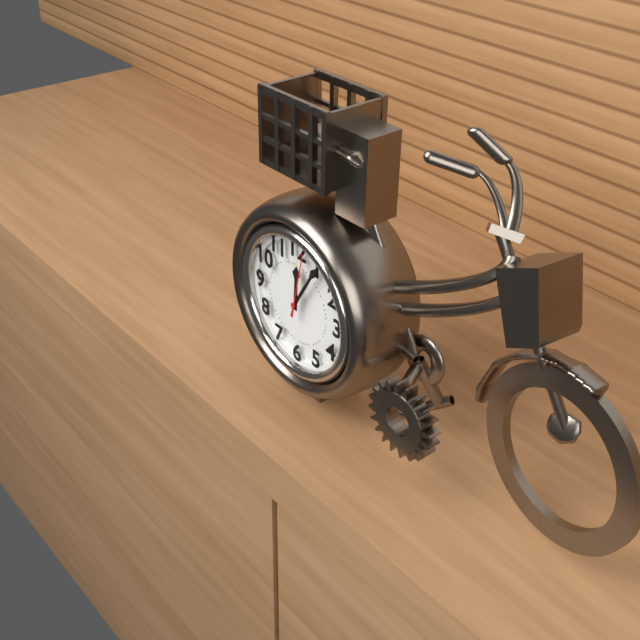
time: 12:05:02
